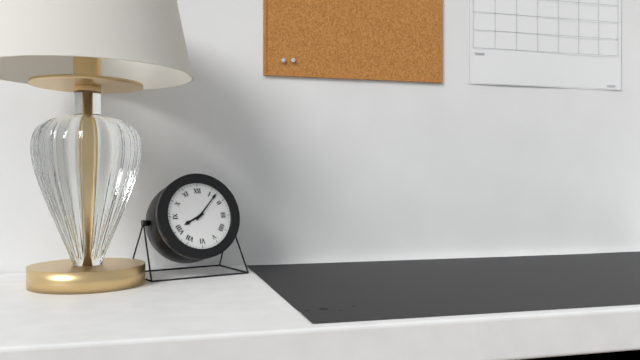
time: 8:07
